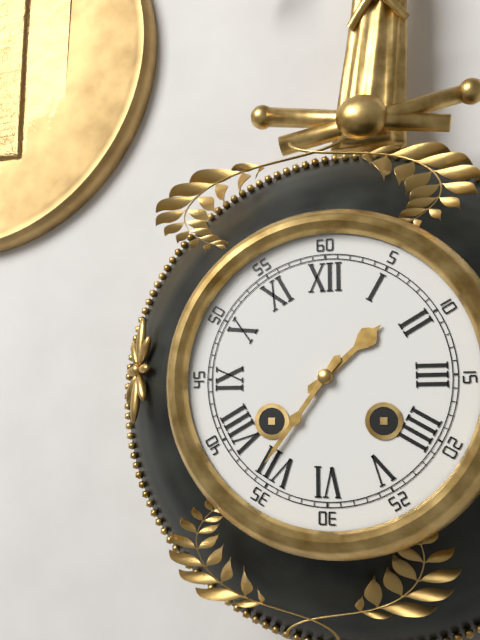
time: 1:36
